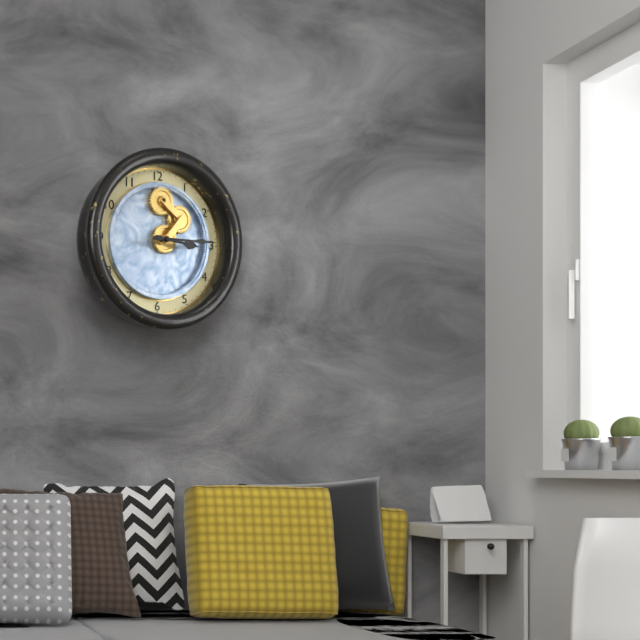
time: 3:15
